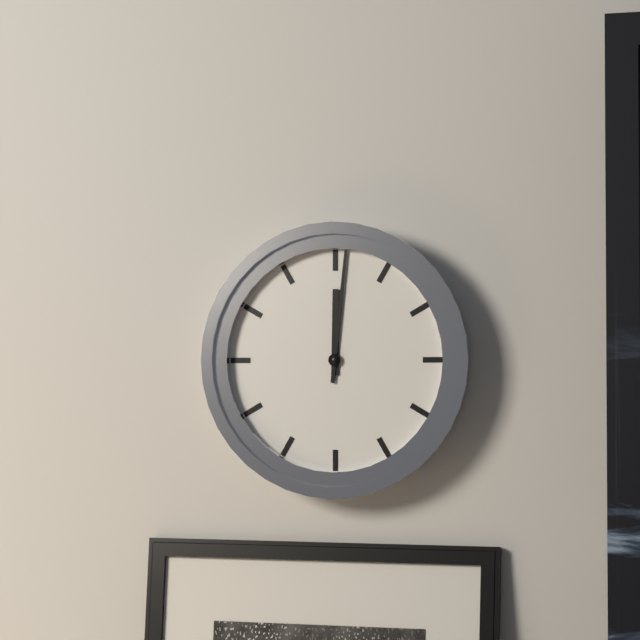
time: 12:01
